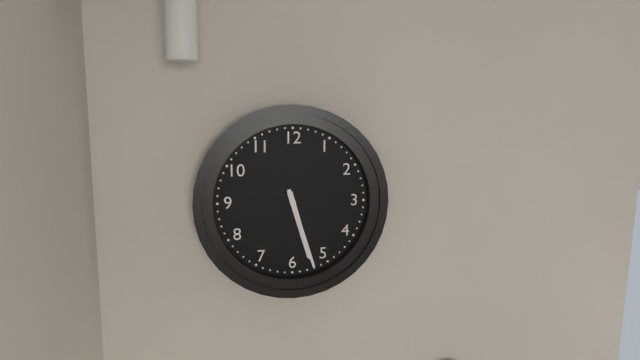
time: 5:27
